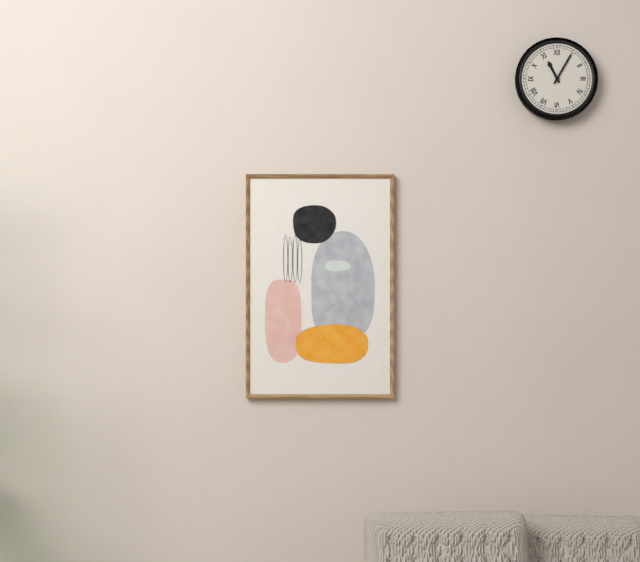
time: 11:05
